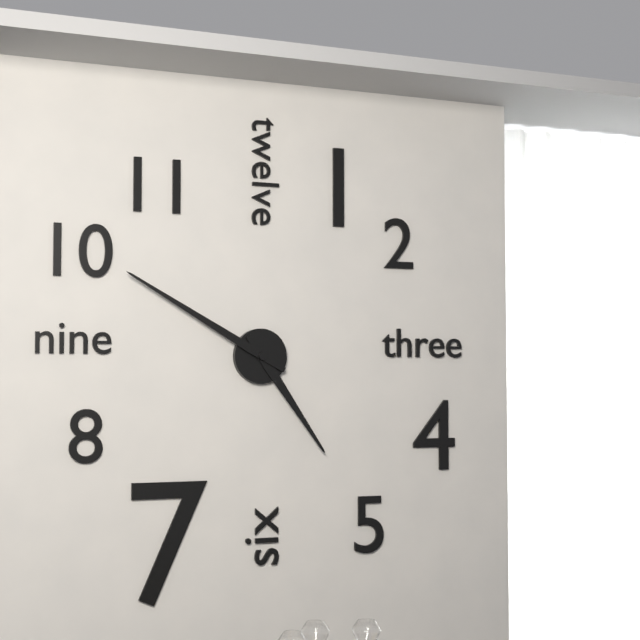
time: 4:50
